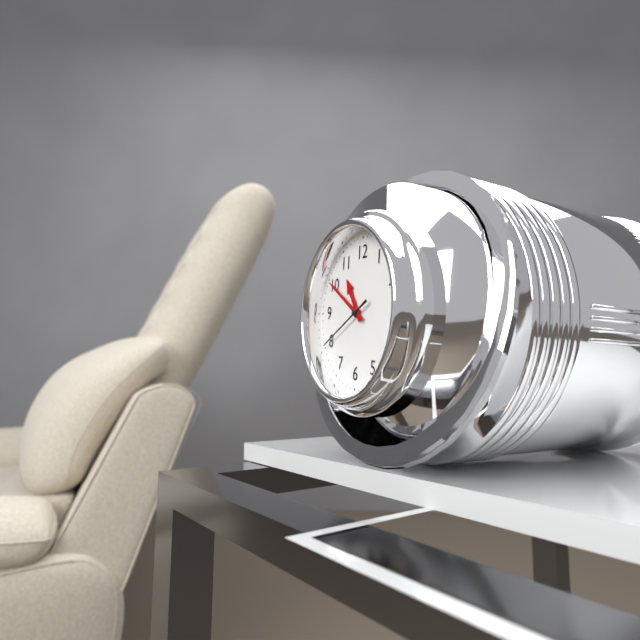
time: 10:50:40
